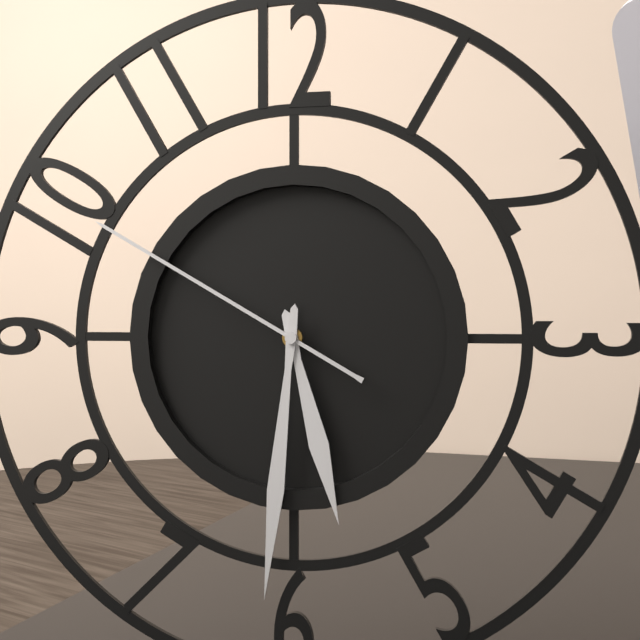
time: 5:31:50
